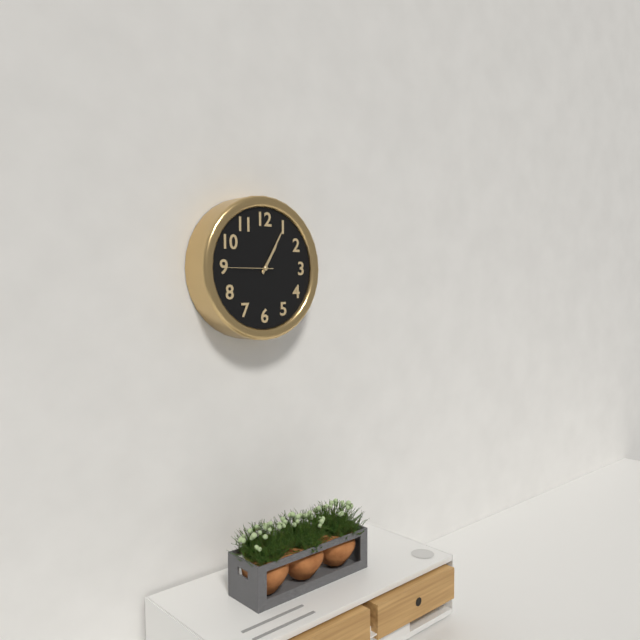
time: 1:05:45
